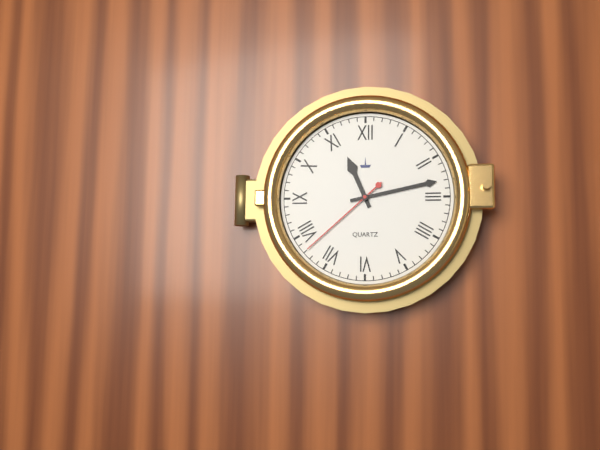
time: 11:13:38
